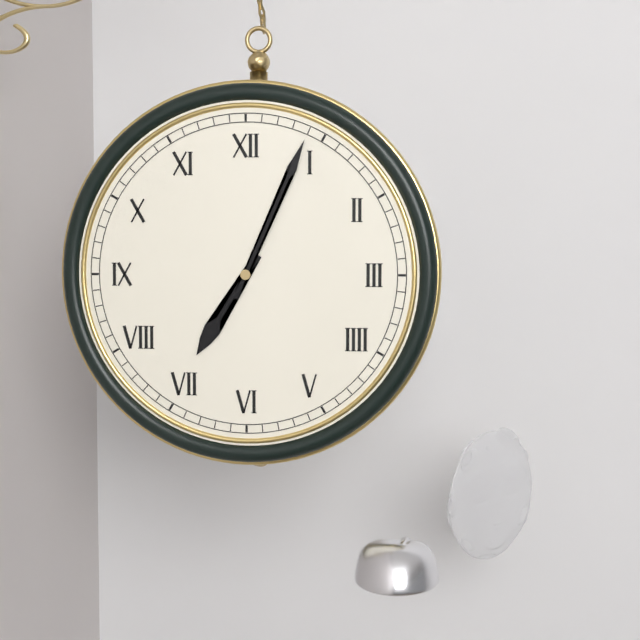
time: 7:04
